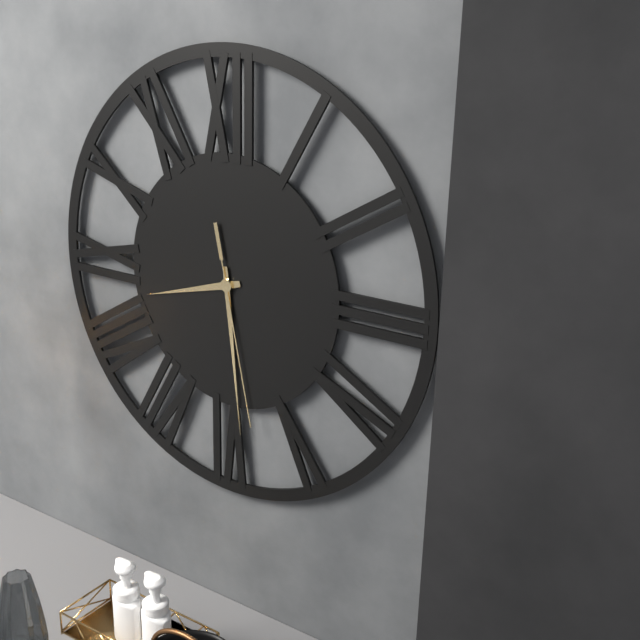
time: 8:29:28
